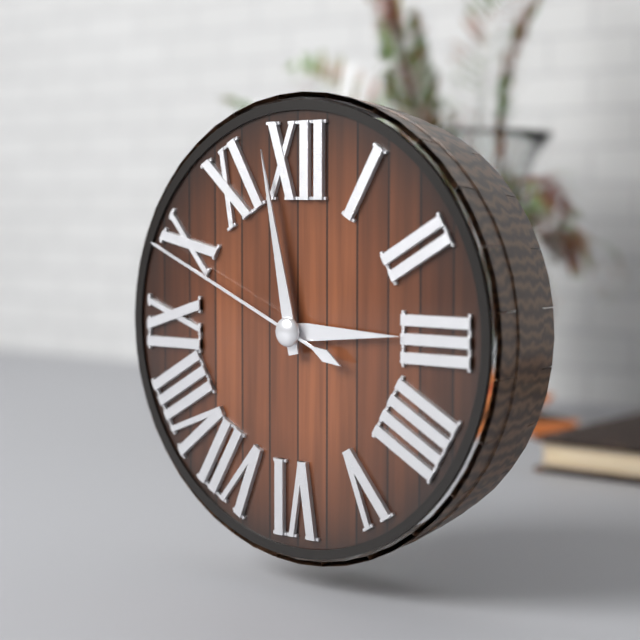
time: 2:58:49
